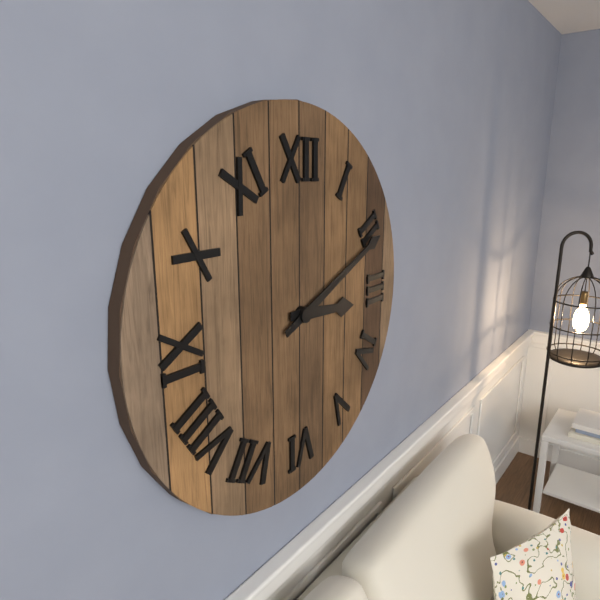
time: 3:11
